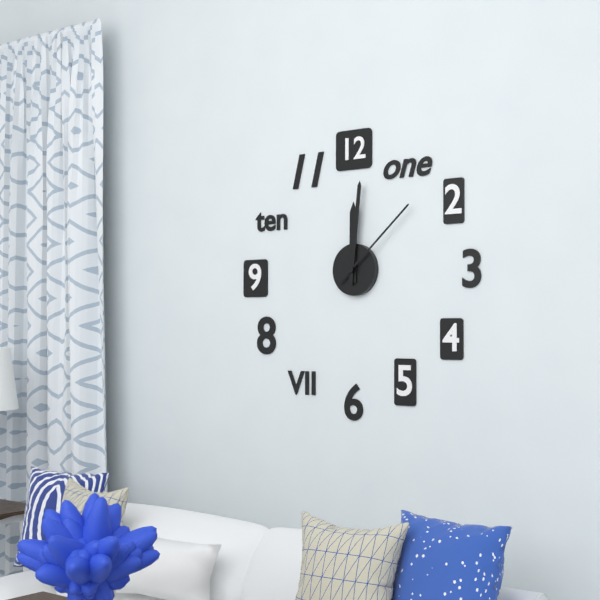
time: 12:01:08
